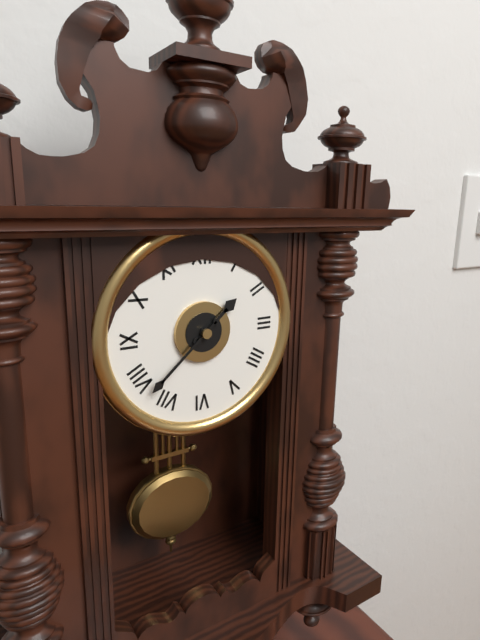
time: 1:38
